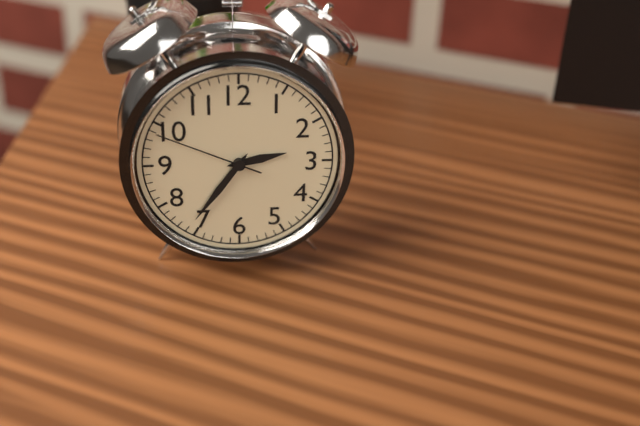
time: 2:36:49
